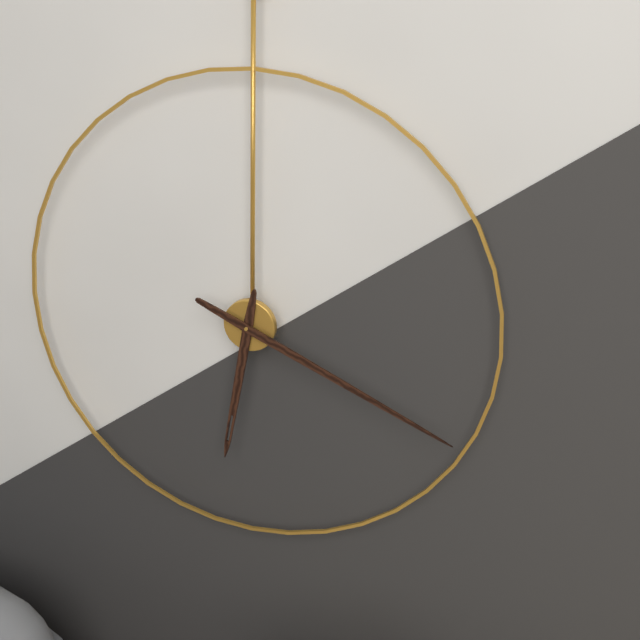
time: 6:19
